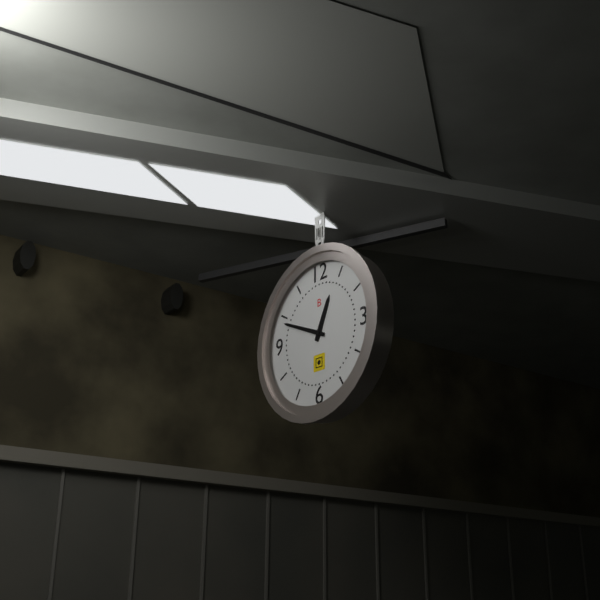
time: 12:49
